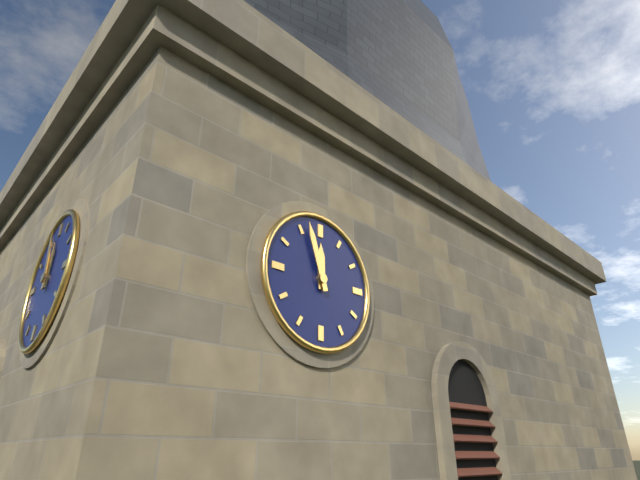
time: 11:57
